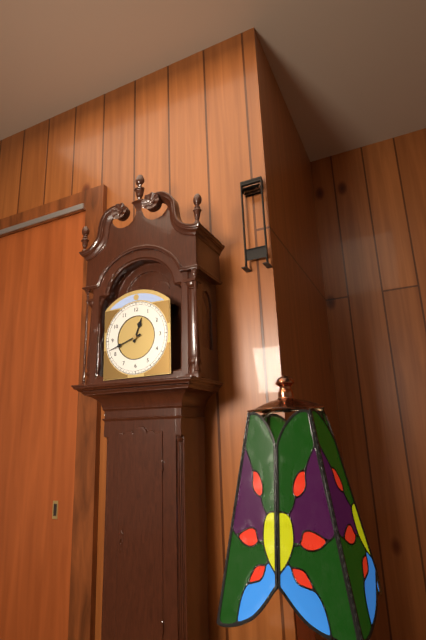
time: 12:42
